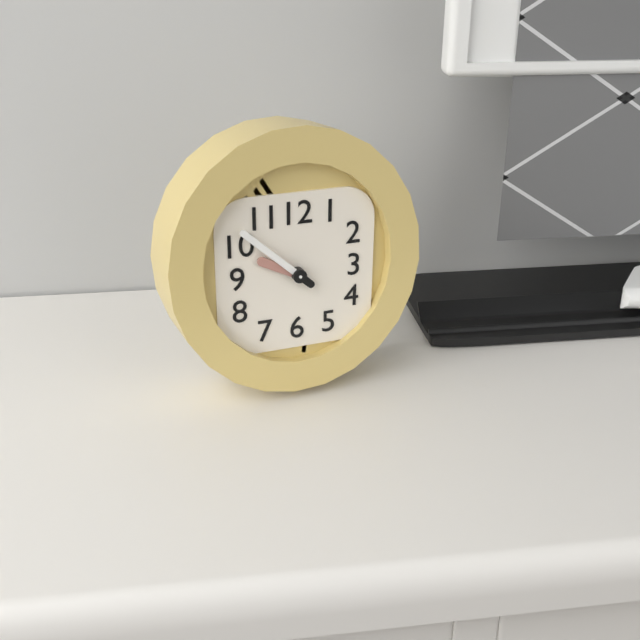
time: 9:52
